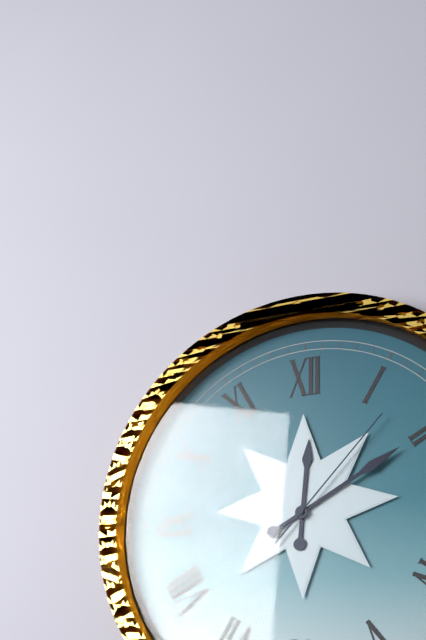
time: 12:10:07
